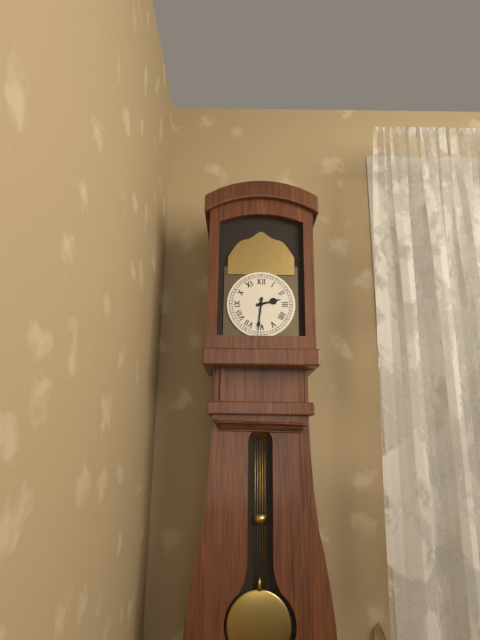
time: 2:31
